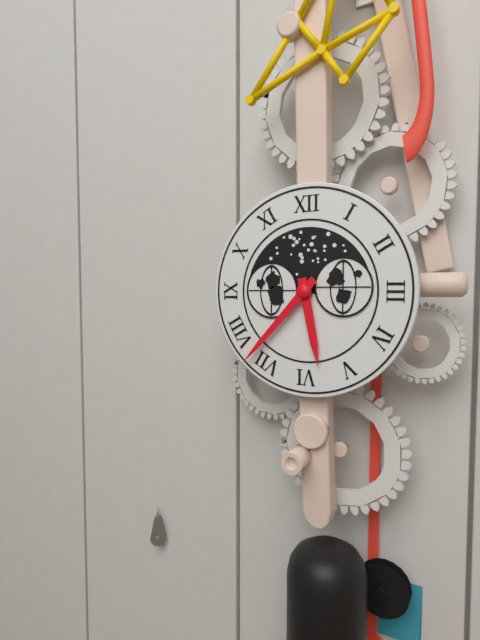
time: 5:37
